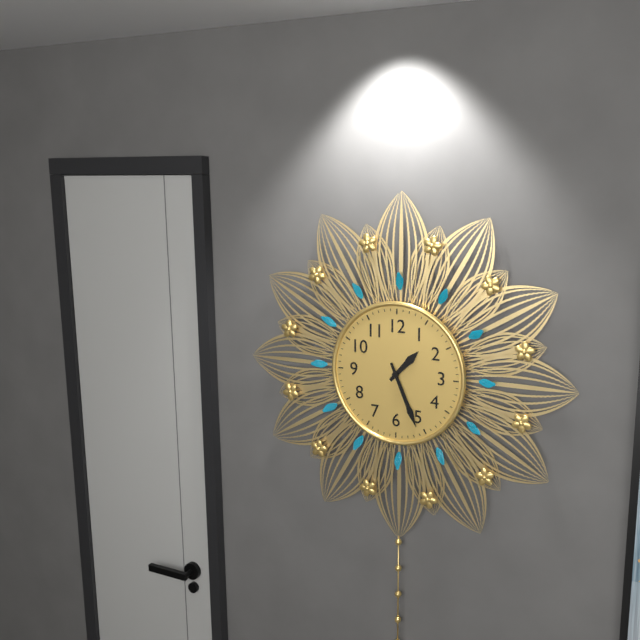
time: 1:26
